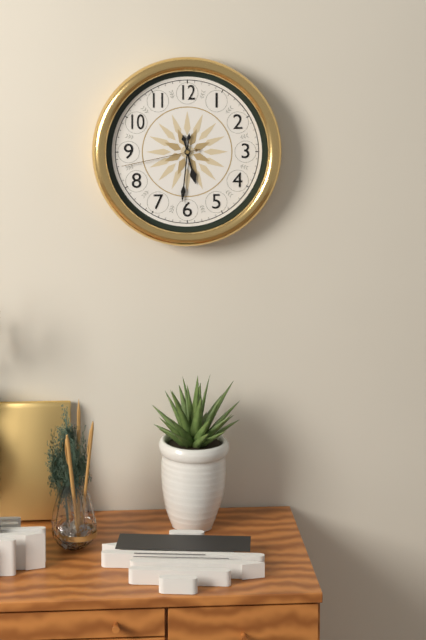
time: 5:31:43
